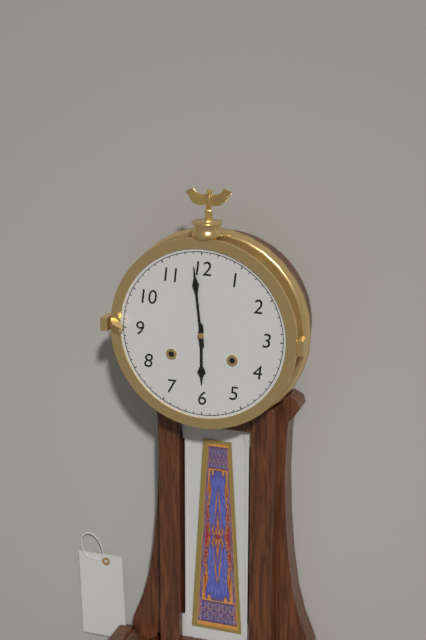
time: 5:59
